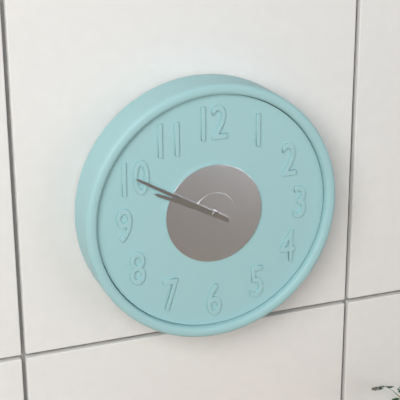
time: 9:50
